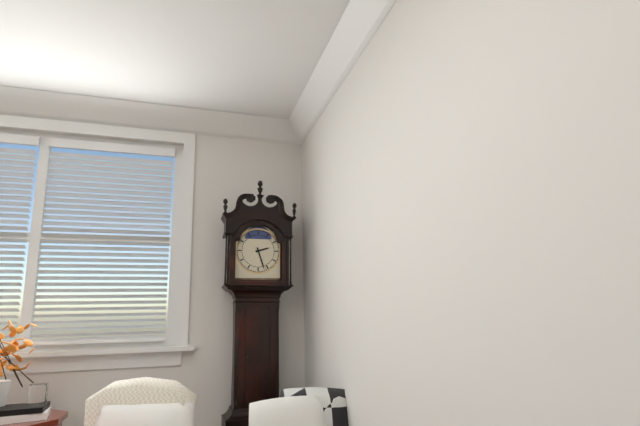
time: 2:27
